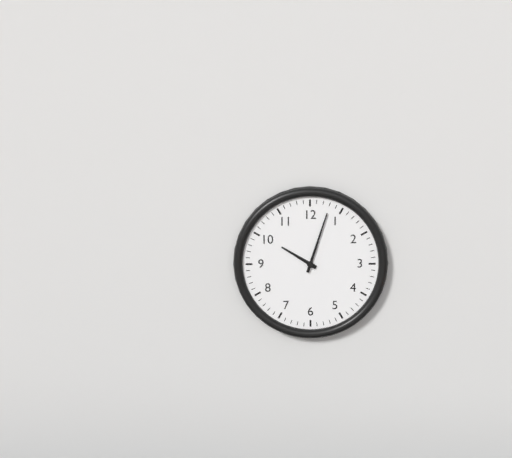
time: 10:03
